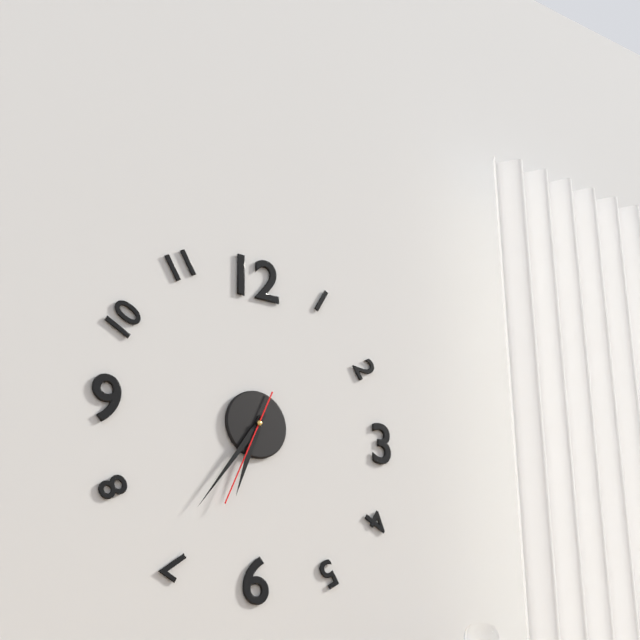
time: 6:36:34
